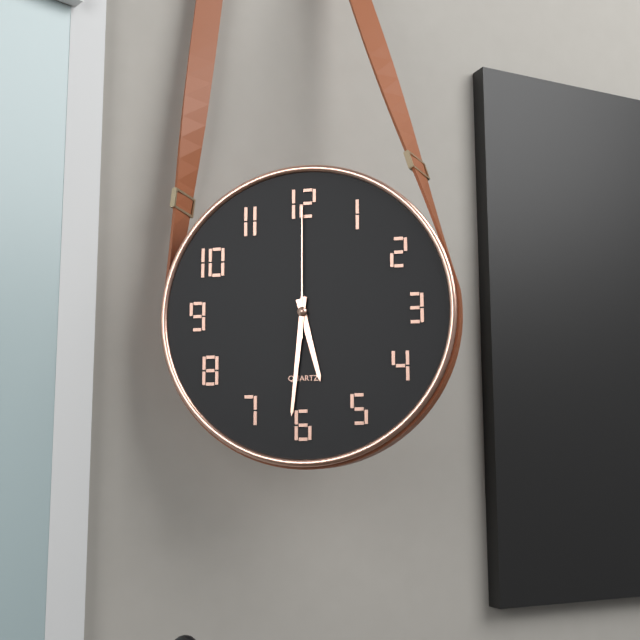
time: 5:31:00
